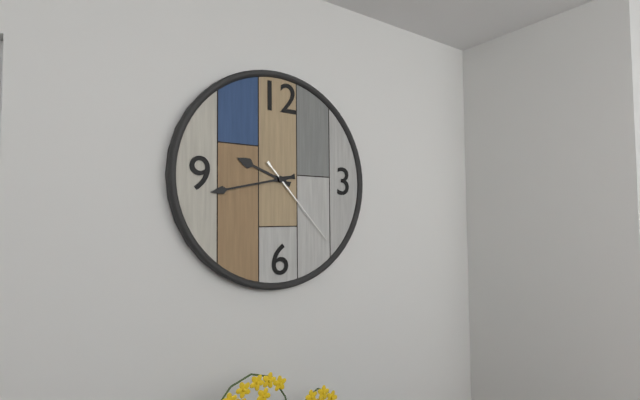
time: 9:43:23
